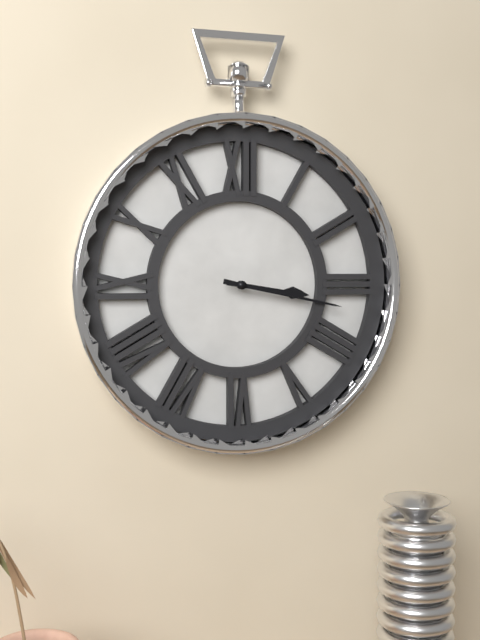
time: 3:17
